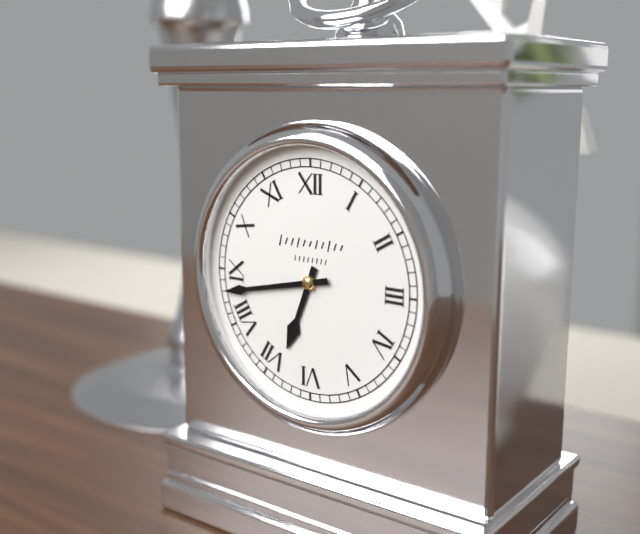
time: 6:43
